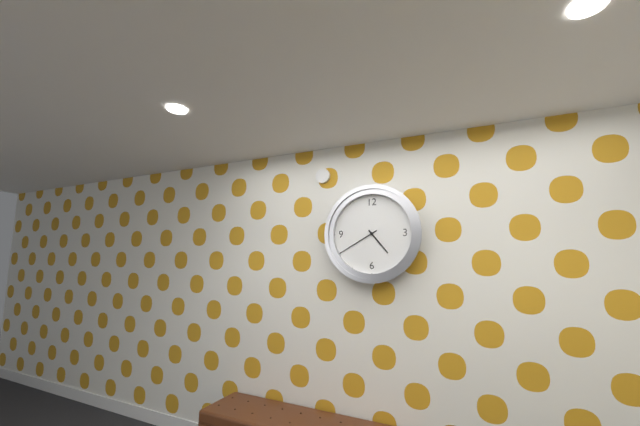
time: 4:40
